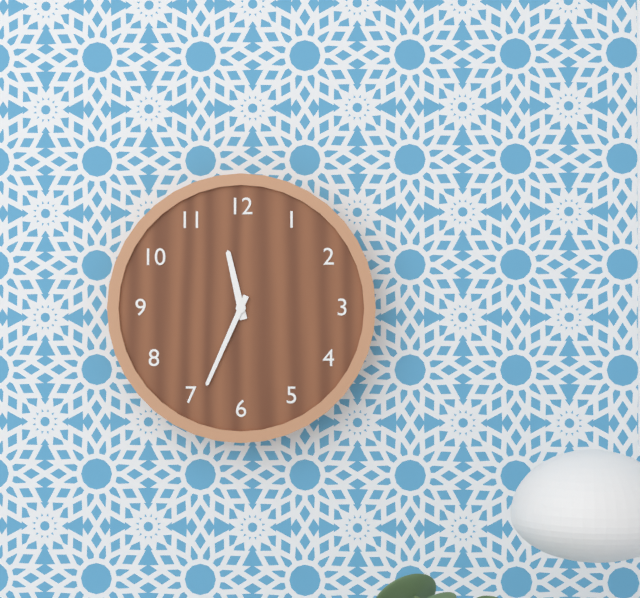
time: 11:34
